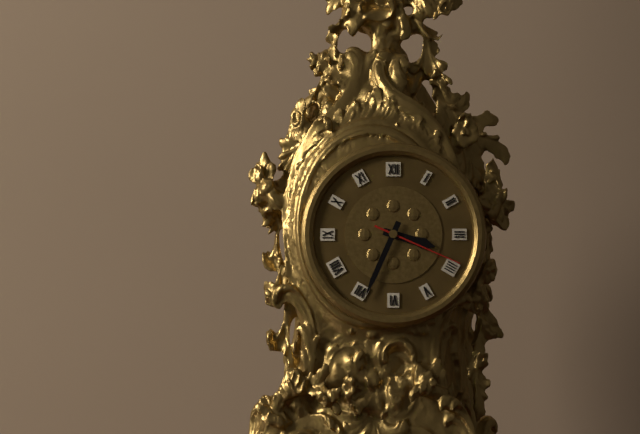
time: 3:34:19
